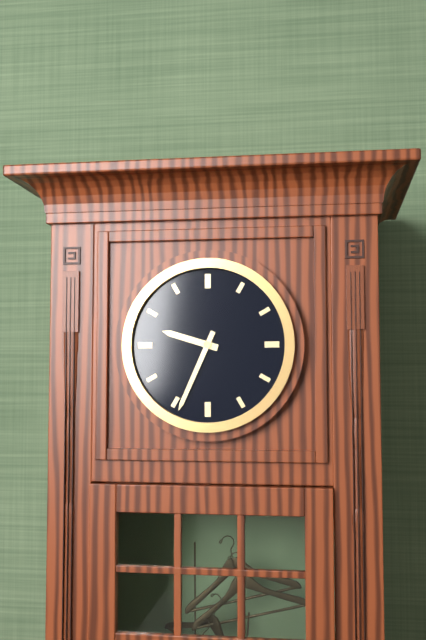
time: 9:34
